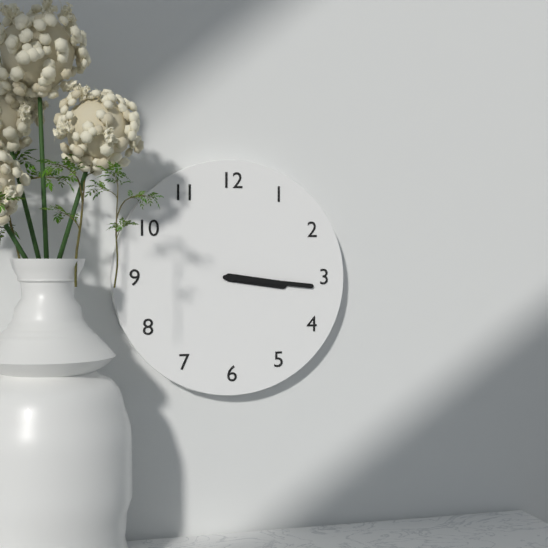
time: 3:16
